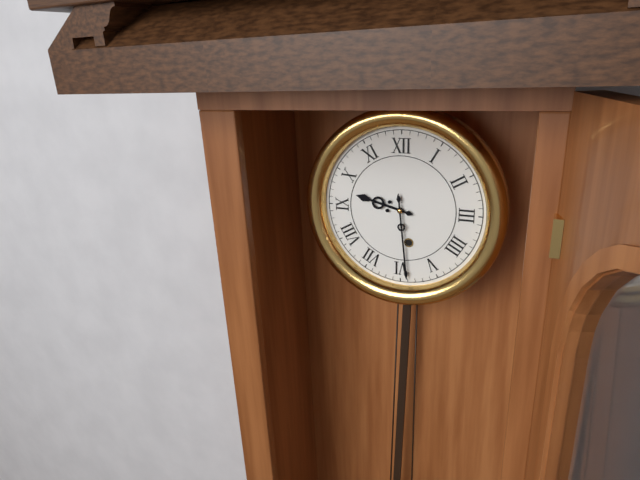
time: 9:29
